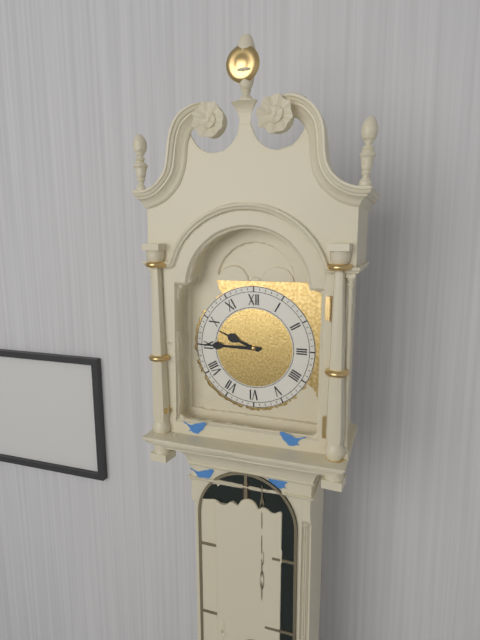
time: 9:45
